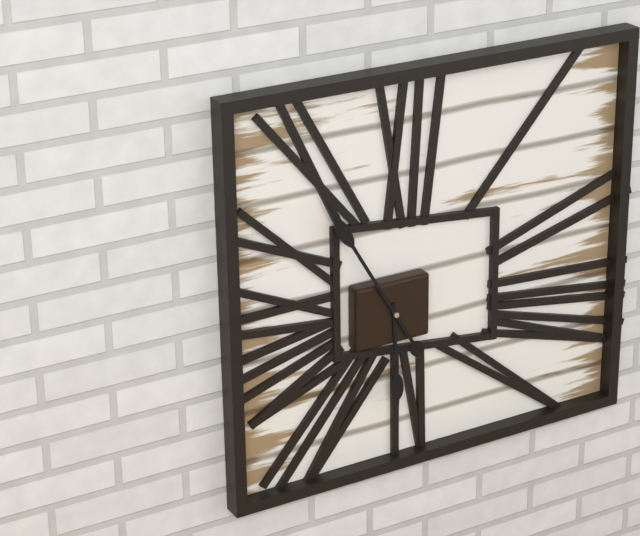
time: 5:55
